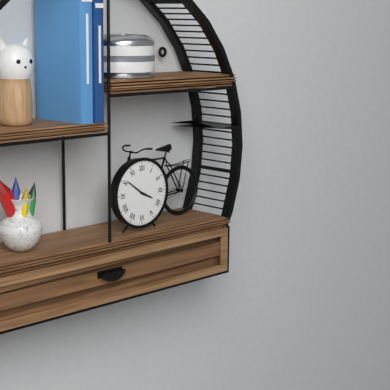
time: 3:51
